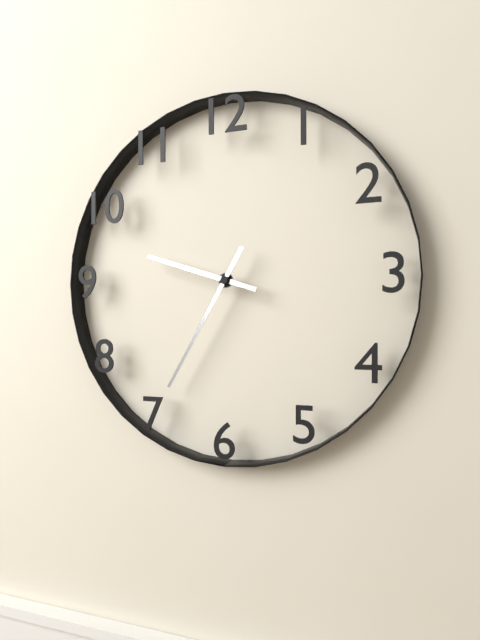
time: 9:35
